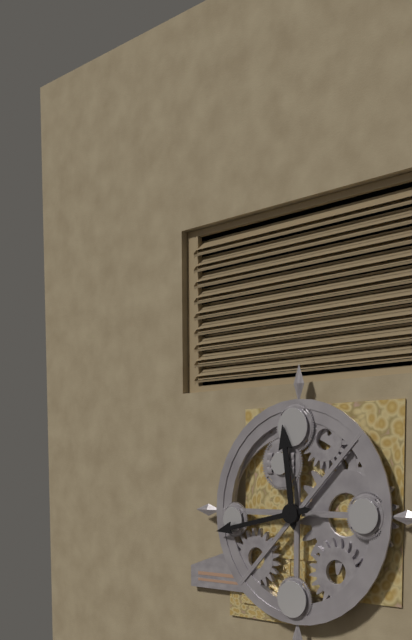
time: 11:43
